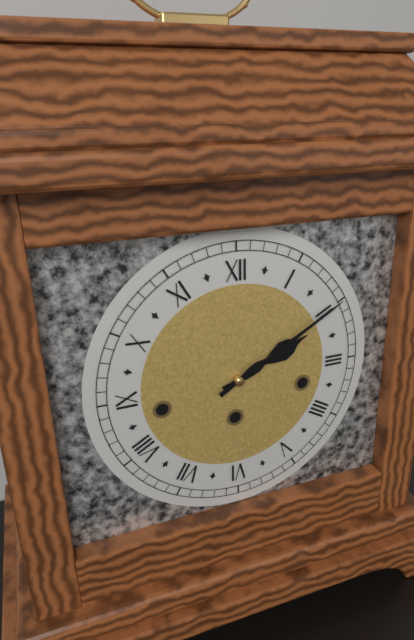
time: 2:10
